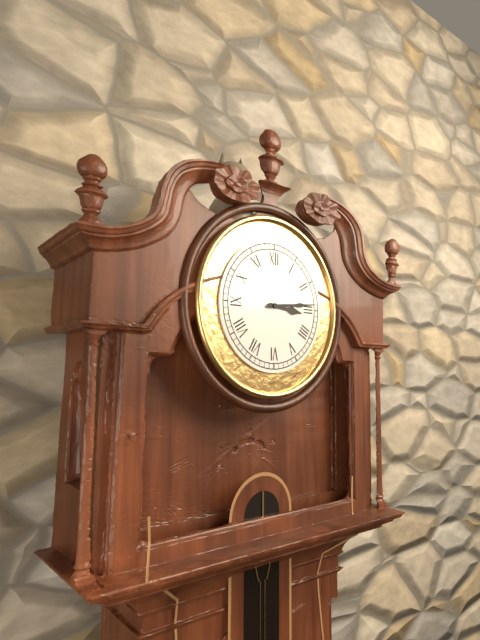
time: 3:14
